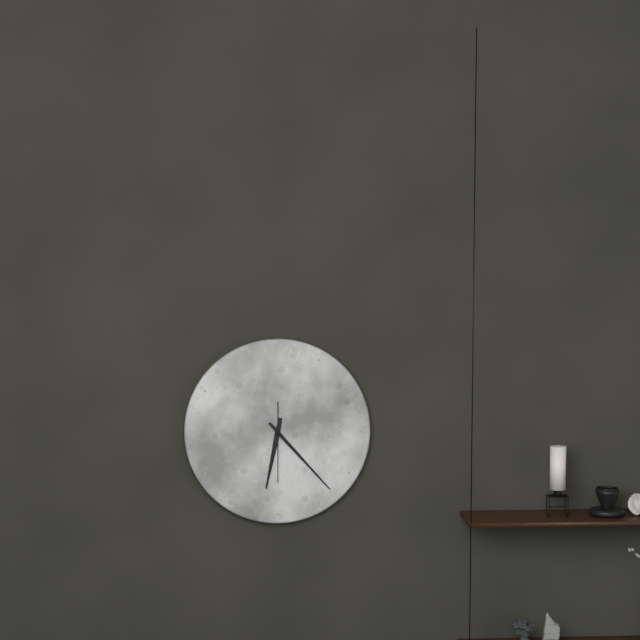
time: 6:23:30
